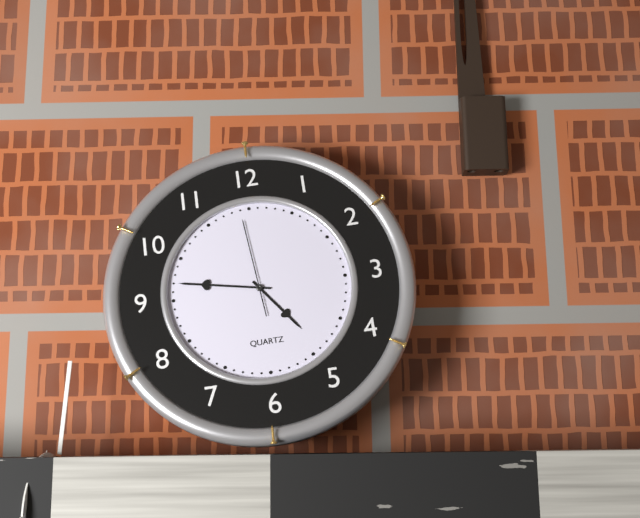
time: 4:47:59
